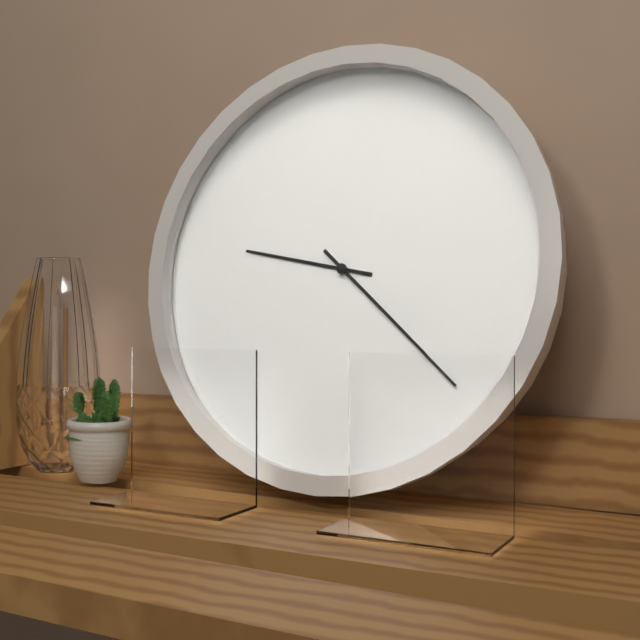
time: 9:22
